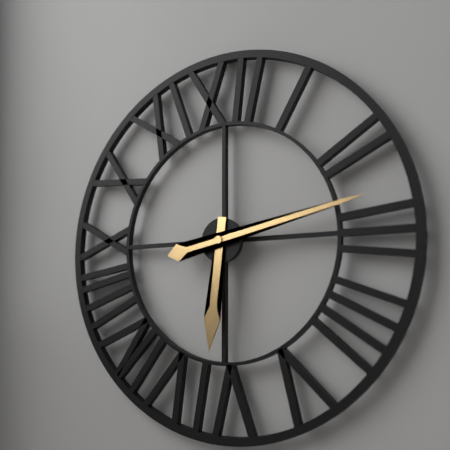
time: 6:13
